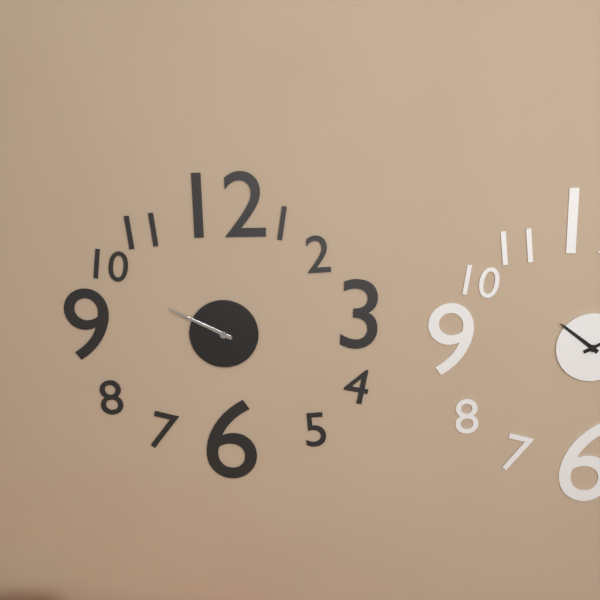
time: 9:49
